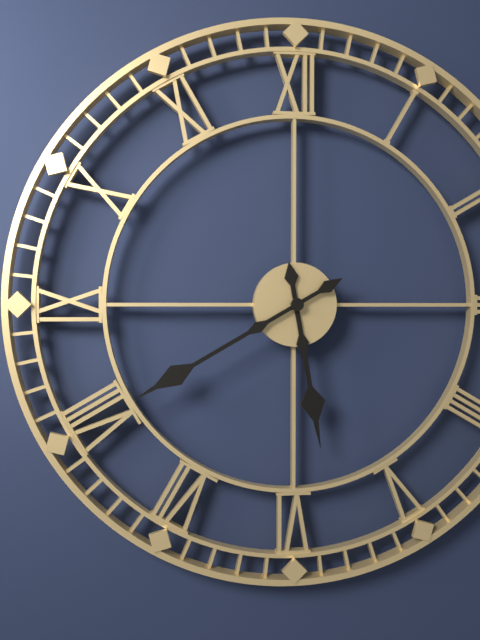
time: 5:40
